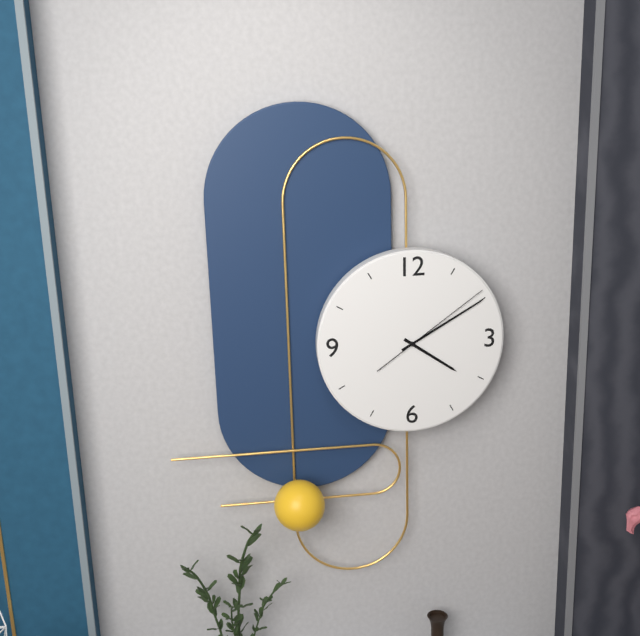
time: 4:10:09
